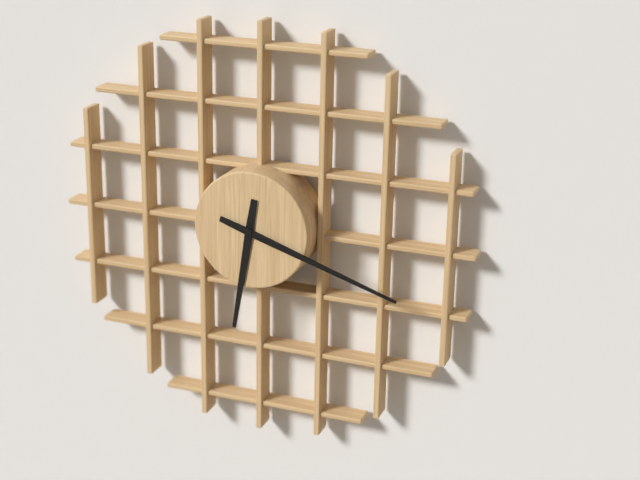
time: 6:18
